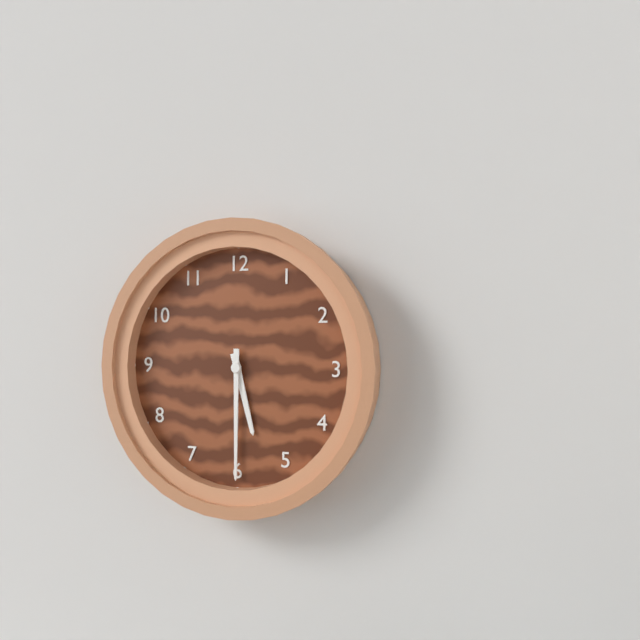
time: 5:30
